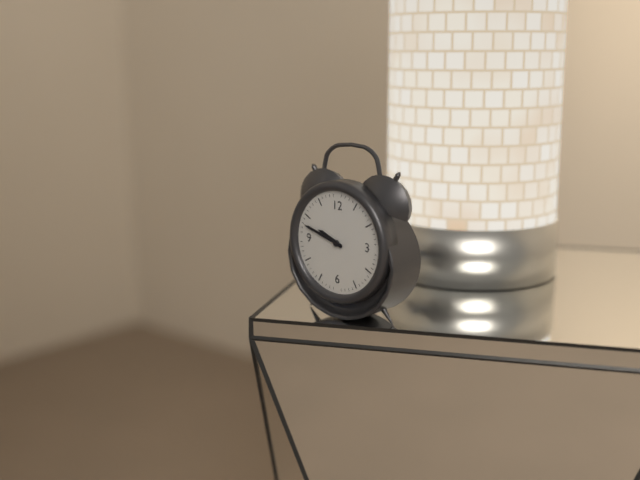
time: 9:48
